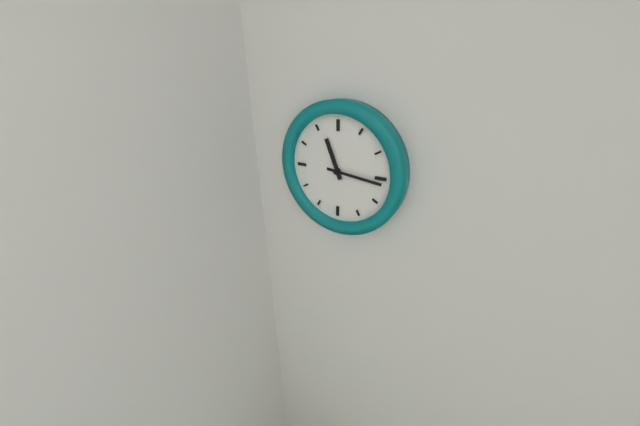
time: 11:16
